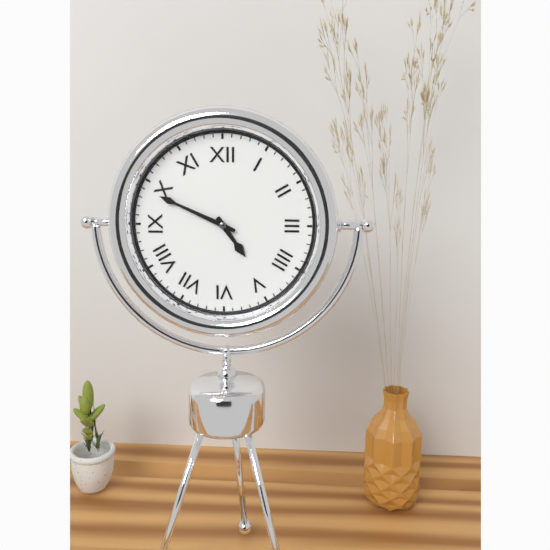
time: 4:49
